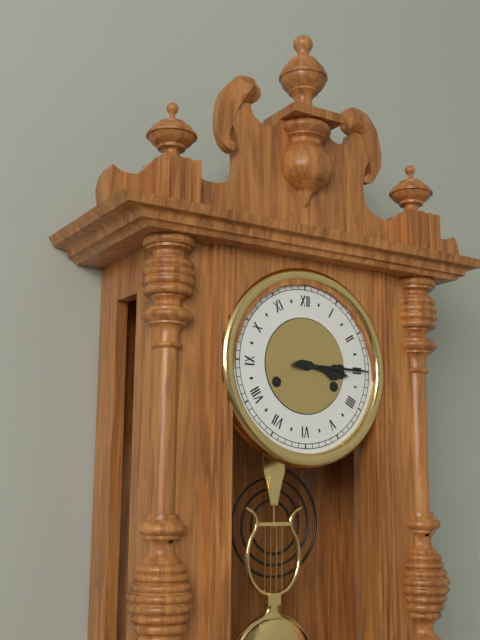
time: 3:15
